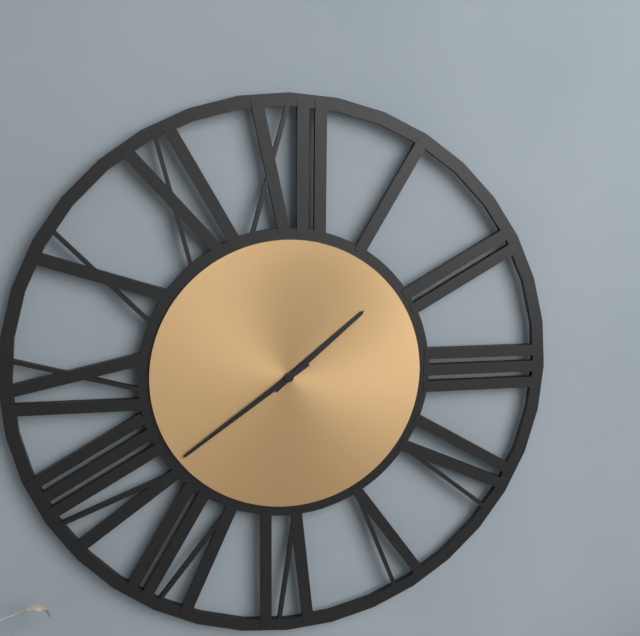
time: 1:39
